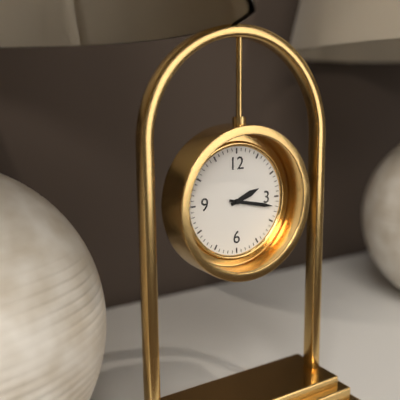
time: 2:17
